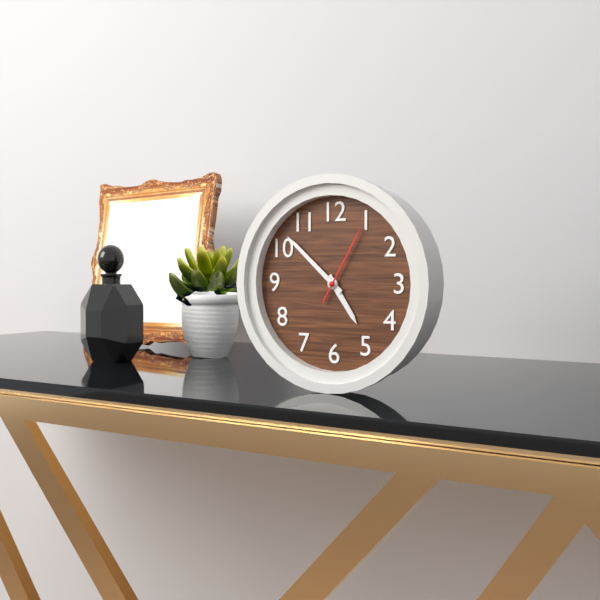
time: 4:52:05
